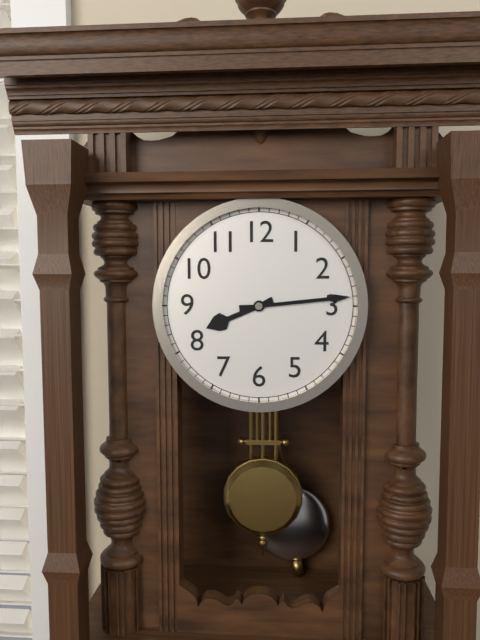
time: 8:14
